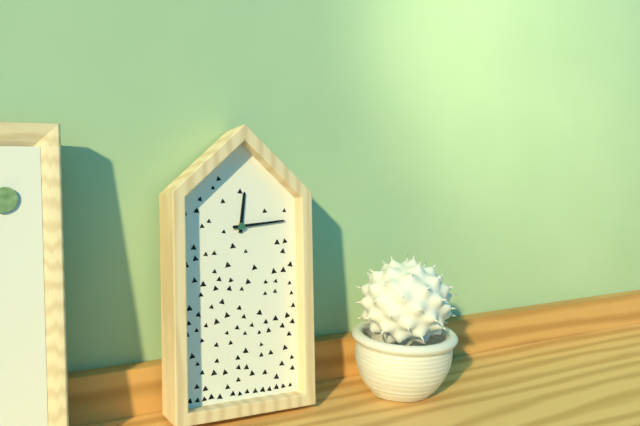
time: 12:14
